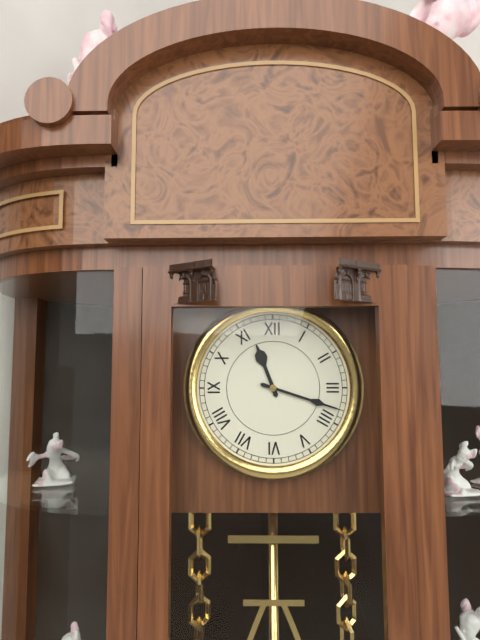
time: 11:18
